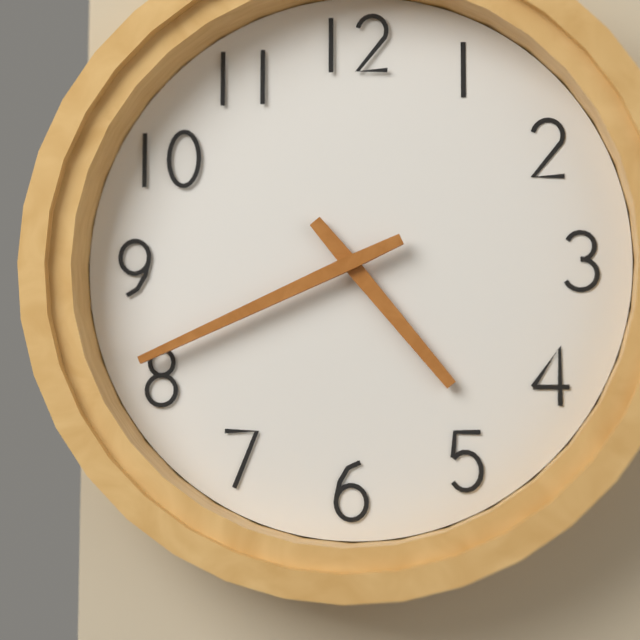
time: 4:41
